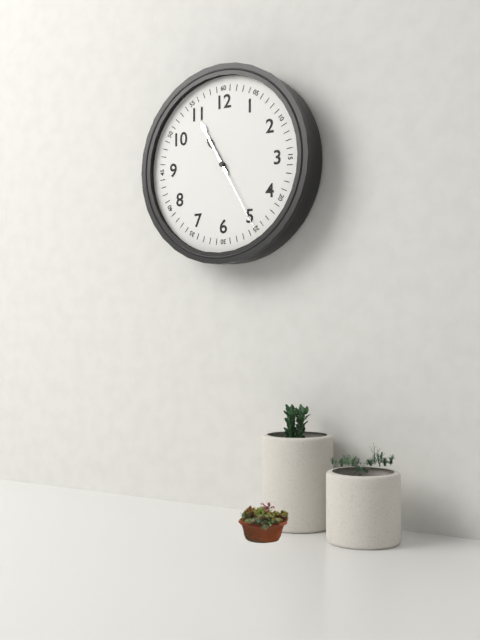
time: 10:55:25
